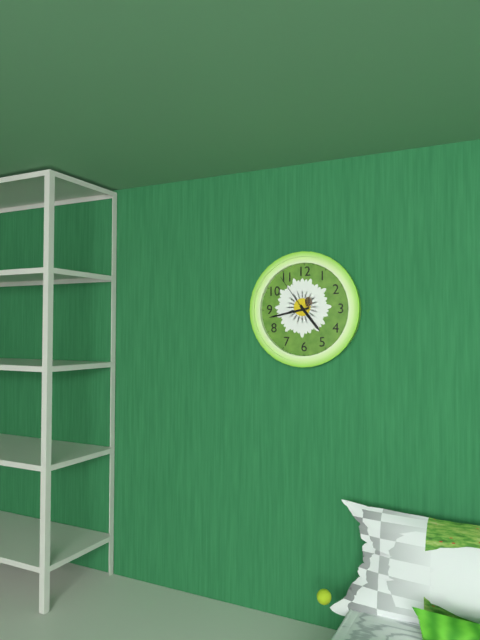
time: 4:43
